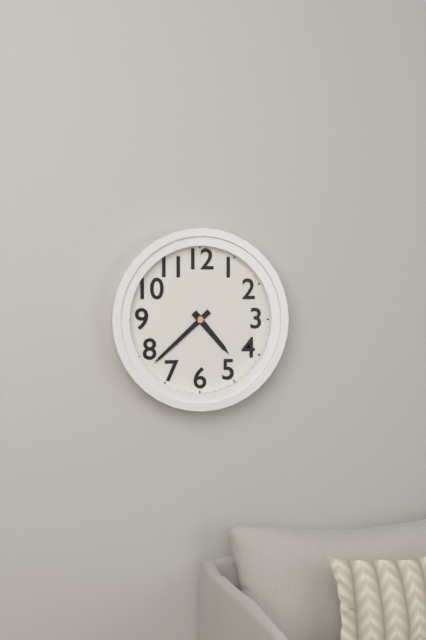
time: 4:38
